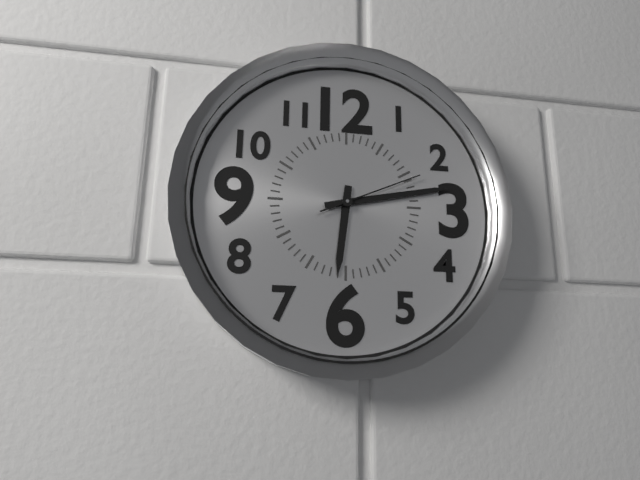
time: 6:13:11
